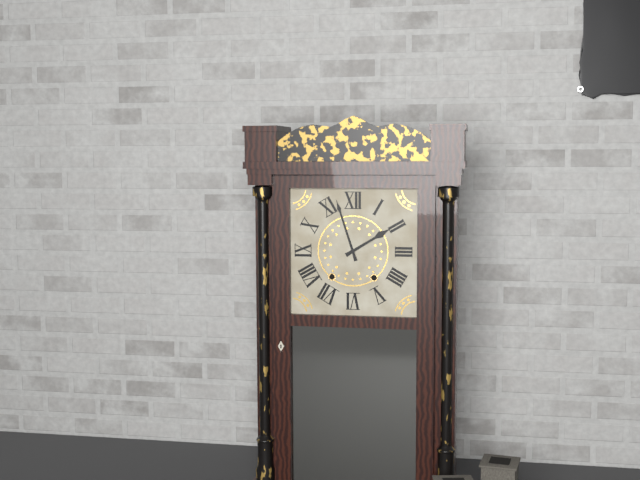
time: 1:57
